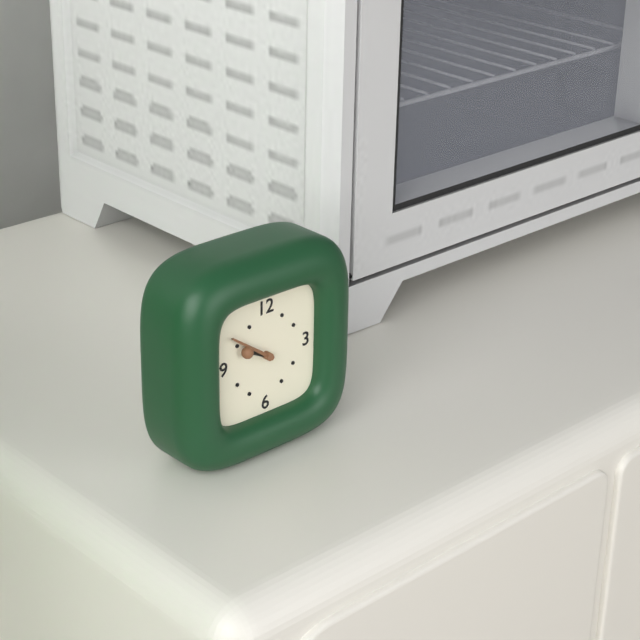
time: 9:51
